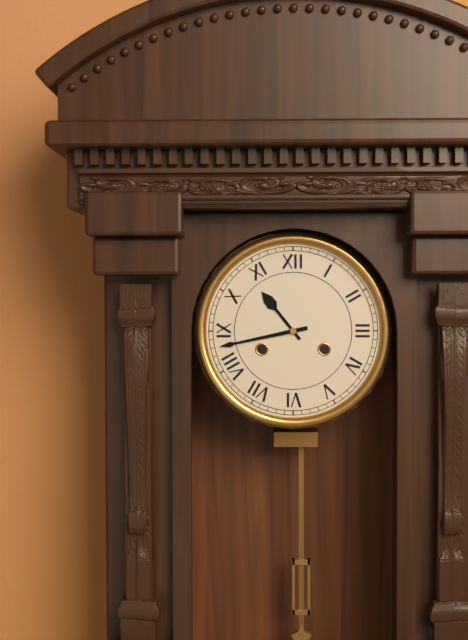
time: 10:43
